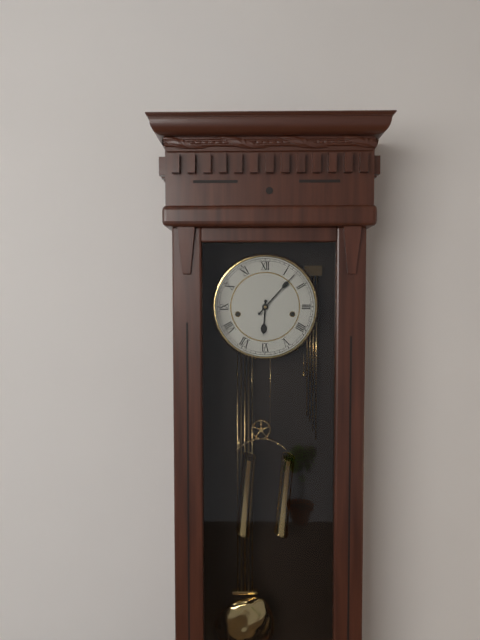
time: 6:07
